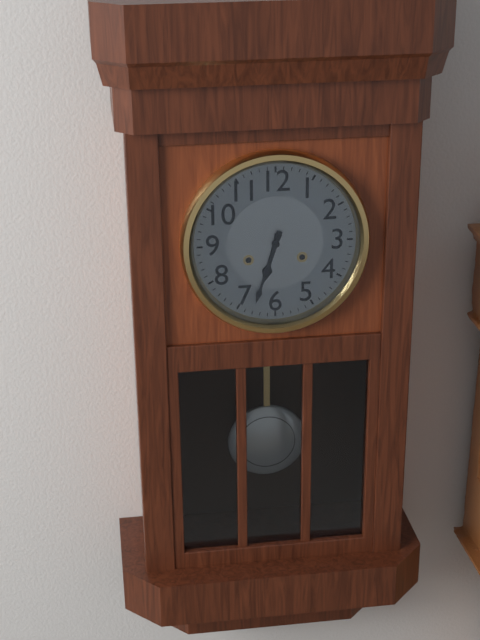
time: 6:33
